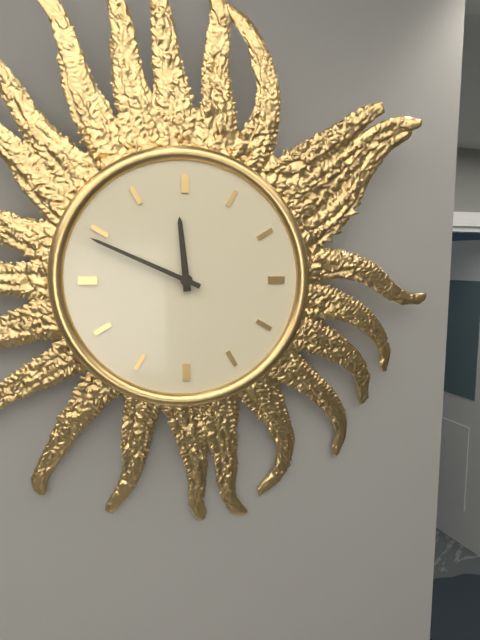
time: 11:49
